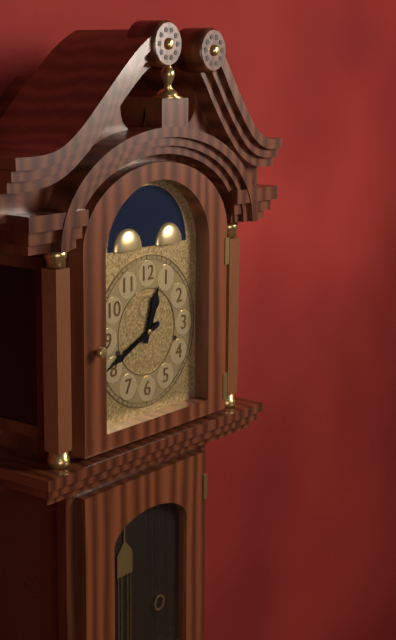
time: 12:41
